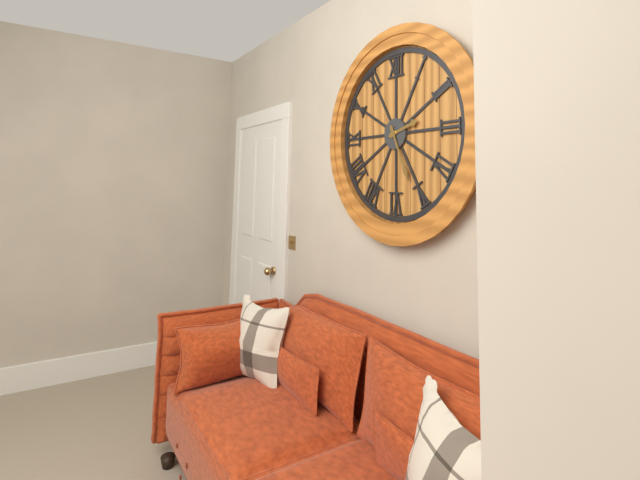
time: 2:26
